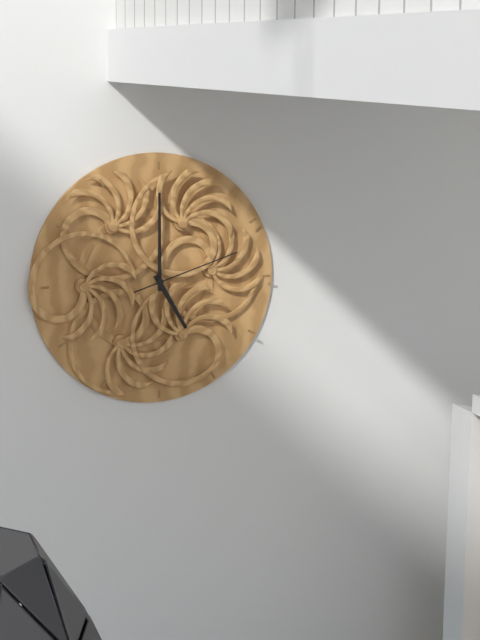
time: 5:00:12
